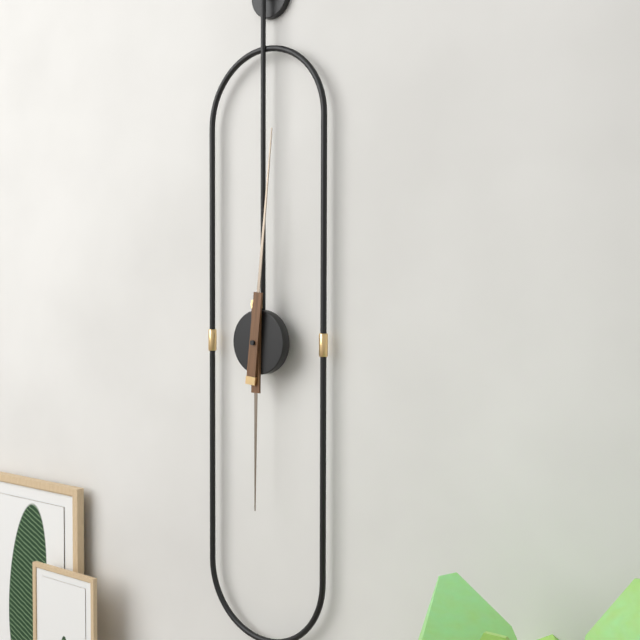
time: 6:01
